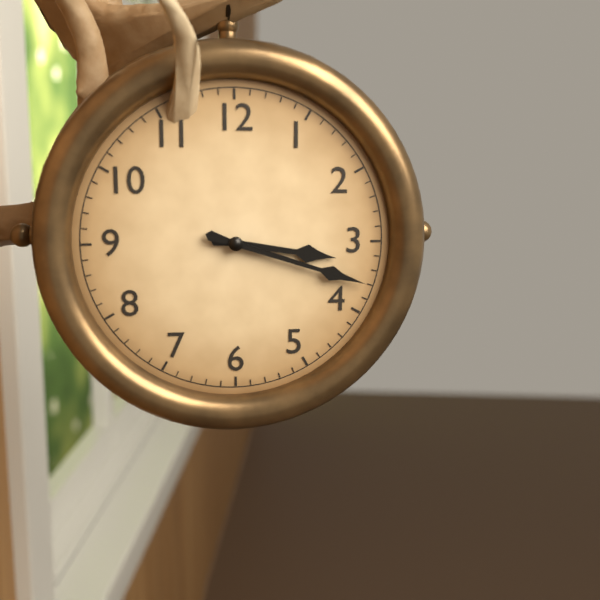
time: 3:18
